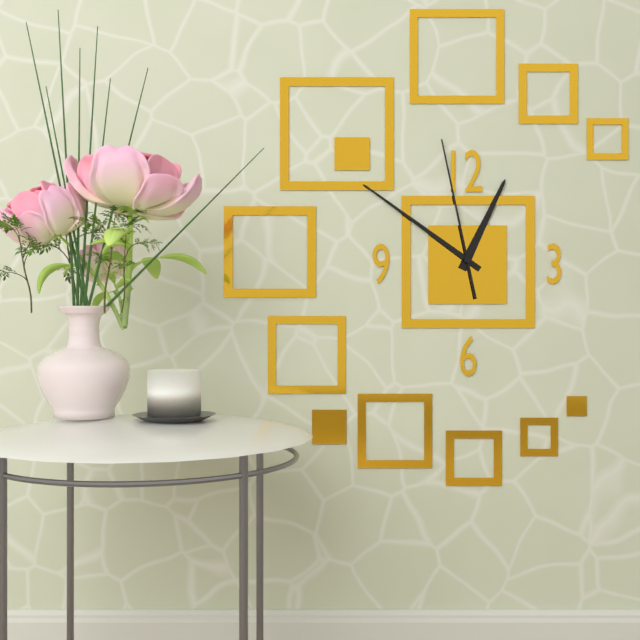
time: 12:51:58
